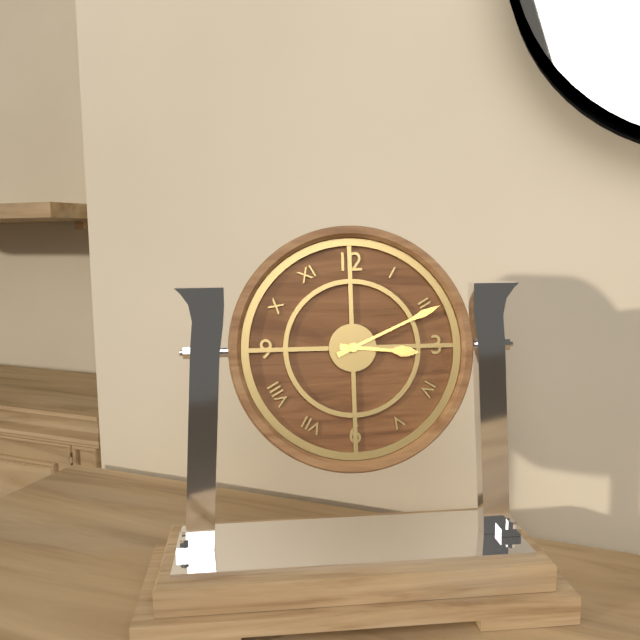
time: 3:11
